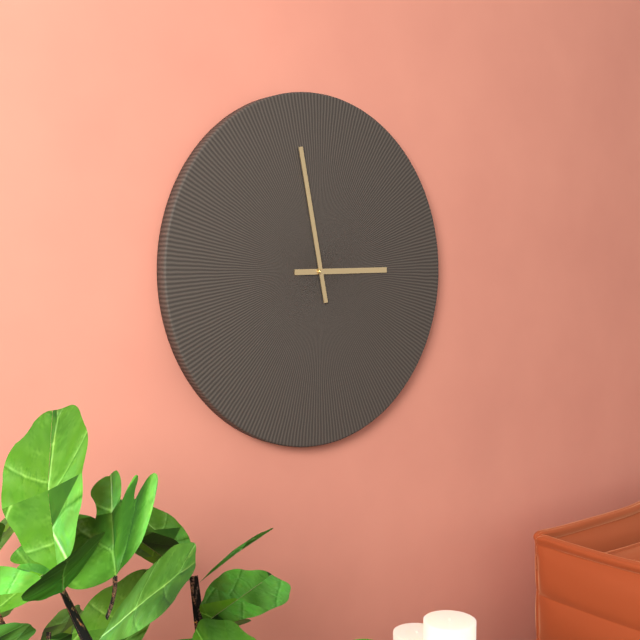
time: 2:58
